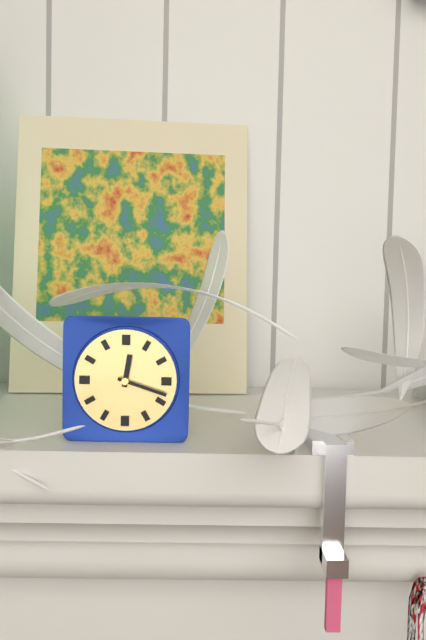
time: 12:18
